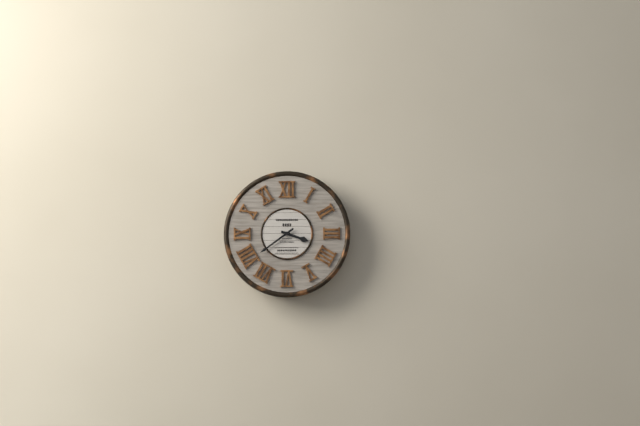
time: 3:39
